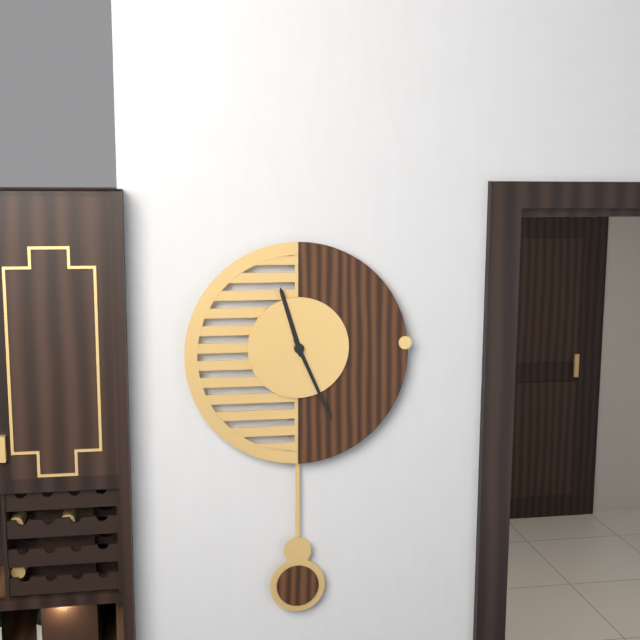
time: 11:26
